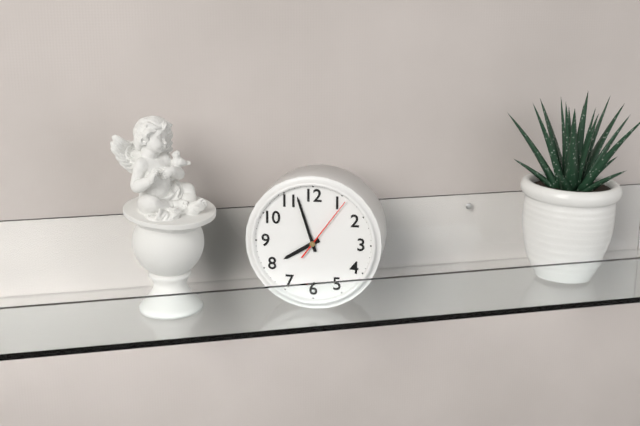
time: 7:57:06
